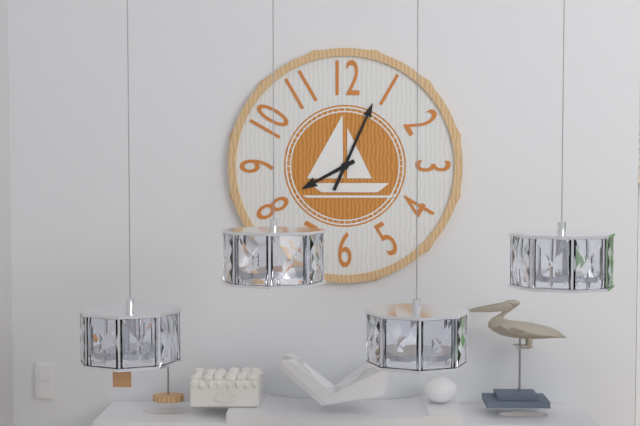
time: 8:04
